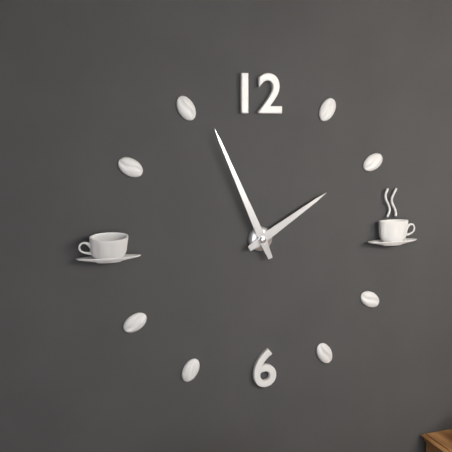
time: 1:56
